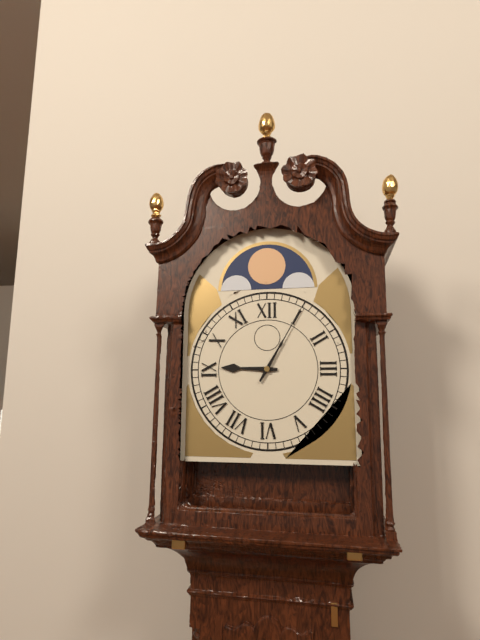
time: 9:05
